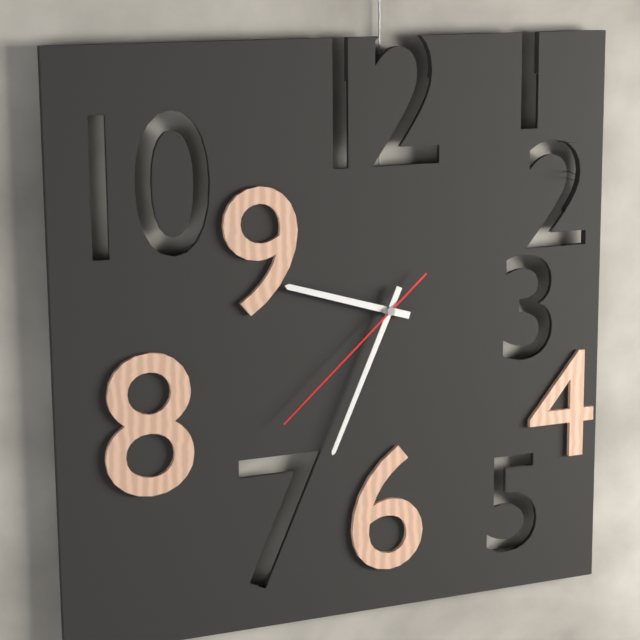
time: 9:34:38
